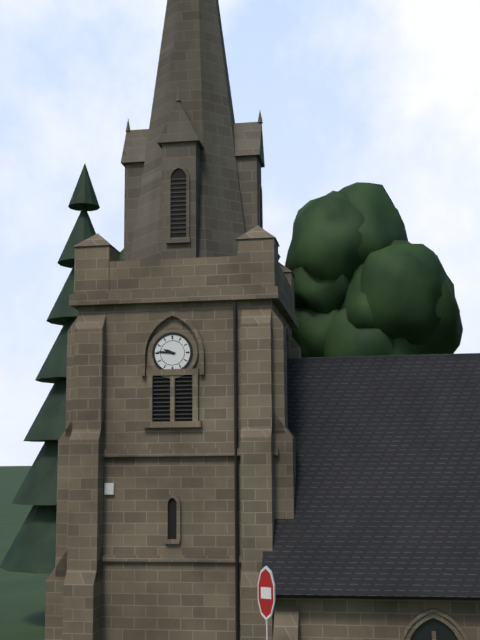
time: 9:46
